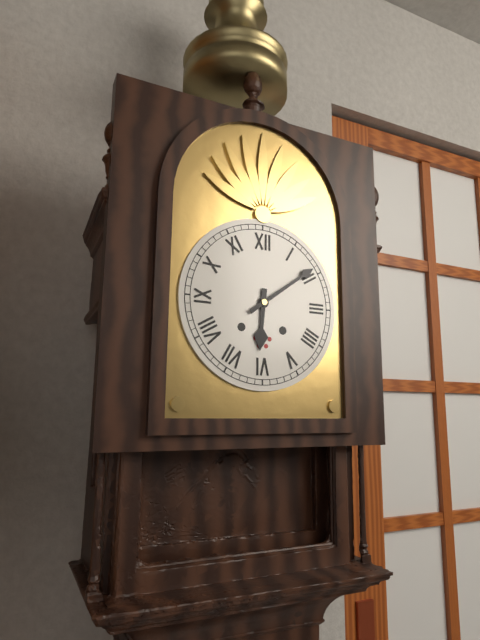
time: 6:09
